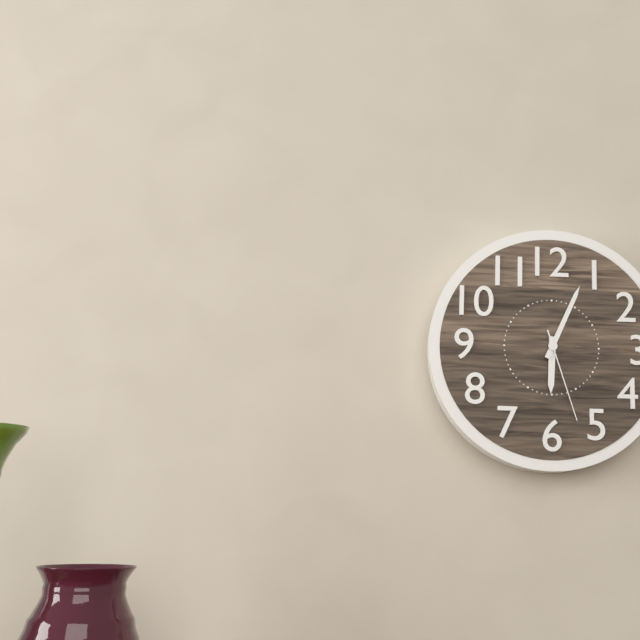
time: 6:04:27
